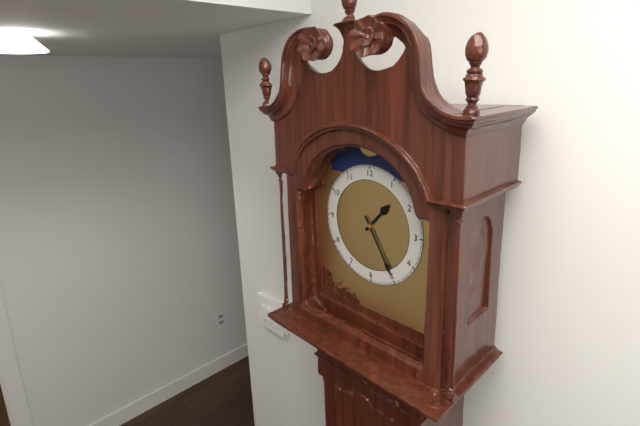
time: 1:25
